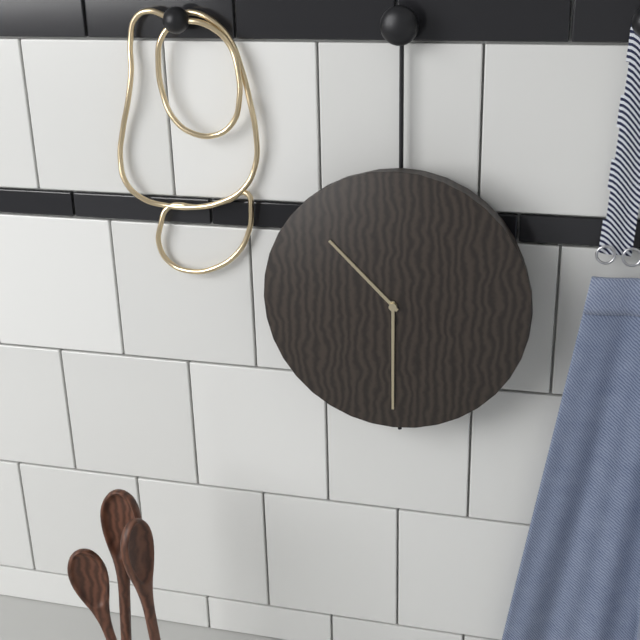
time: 10:30
